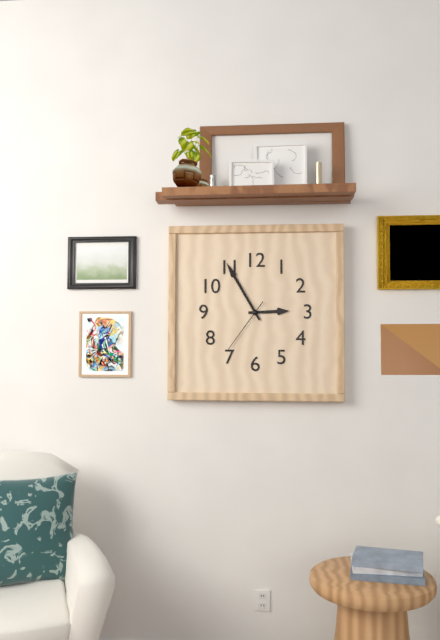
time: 2:55:36
